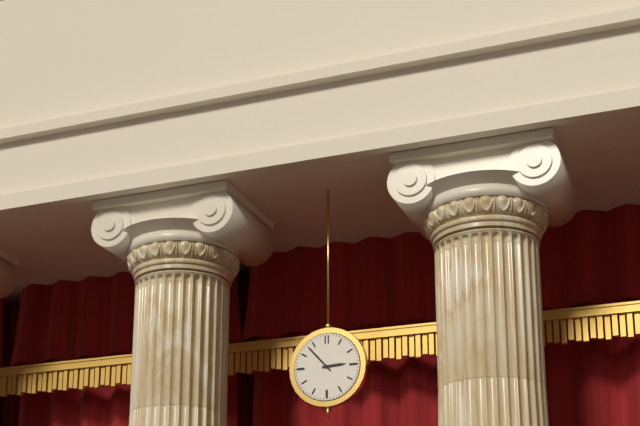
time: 2:53
